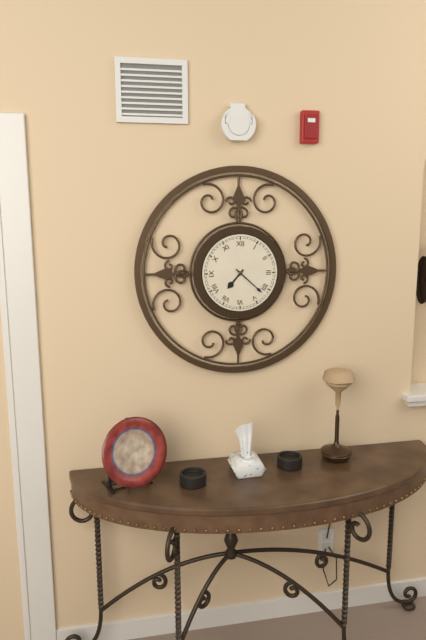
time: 7:22
